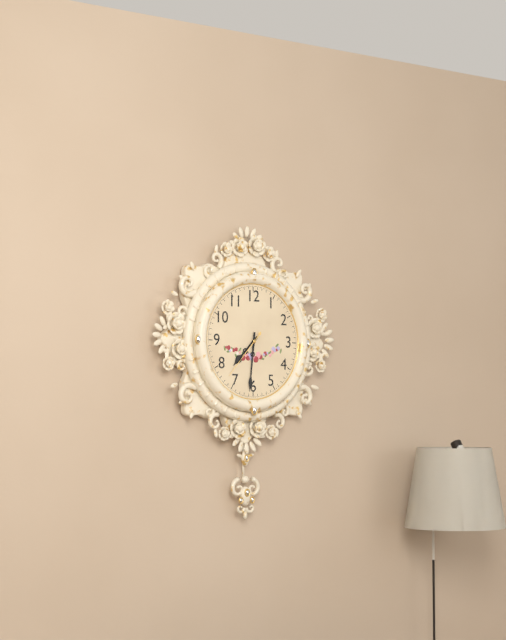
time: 7:31:37
